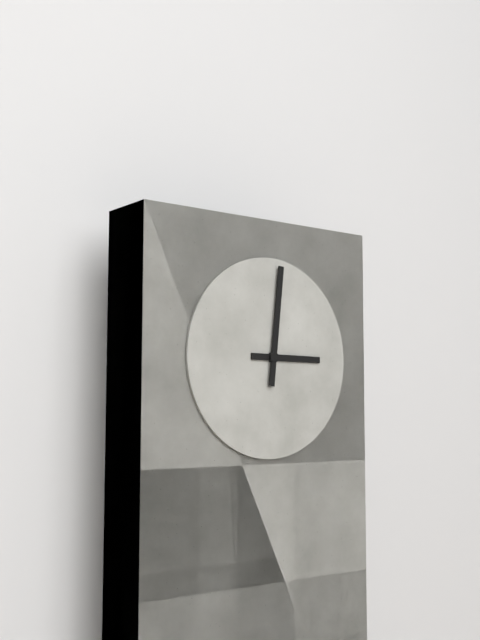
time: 3:01
